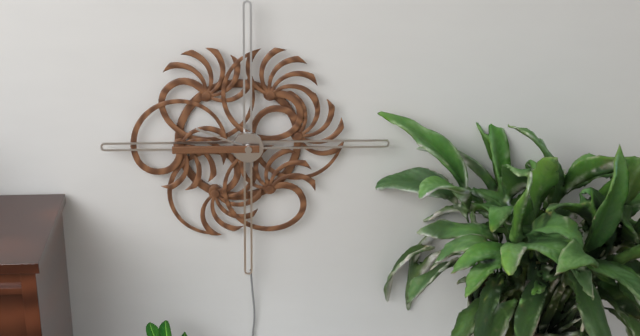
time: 9:45
